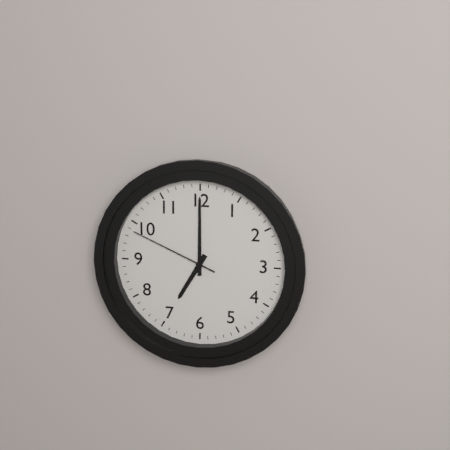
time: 7:00:49
